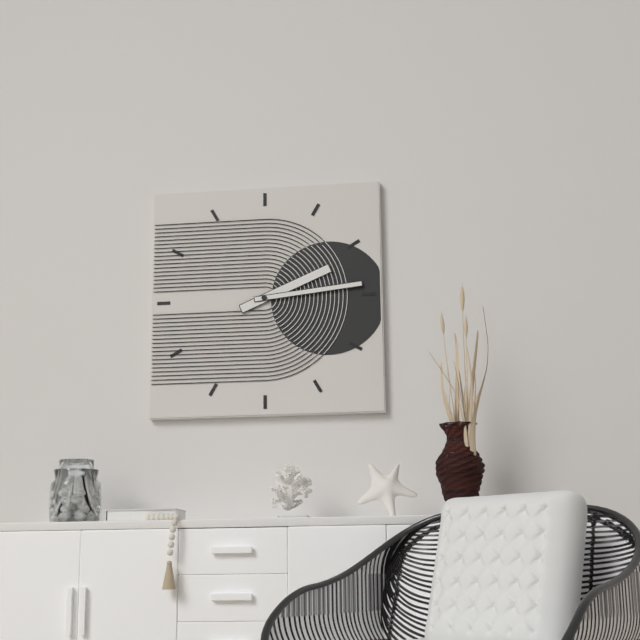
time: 2:14
